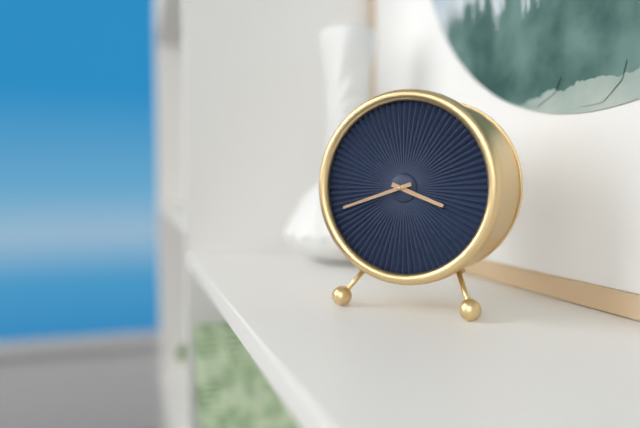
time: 3:42
